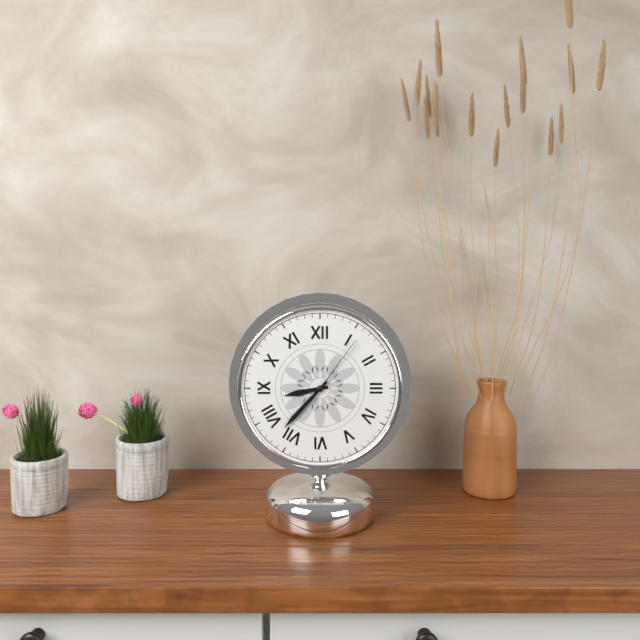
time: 8:37:06
